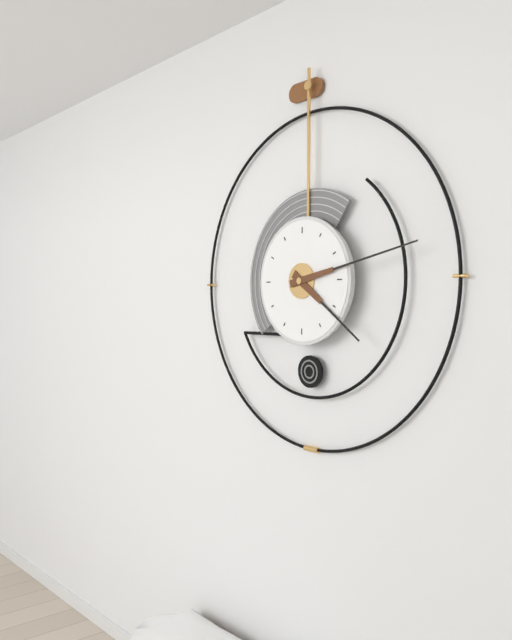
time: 4:13
